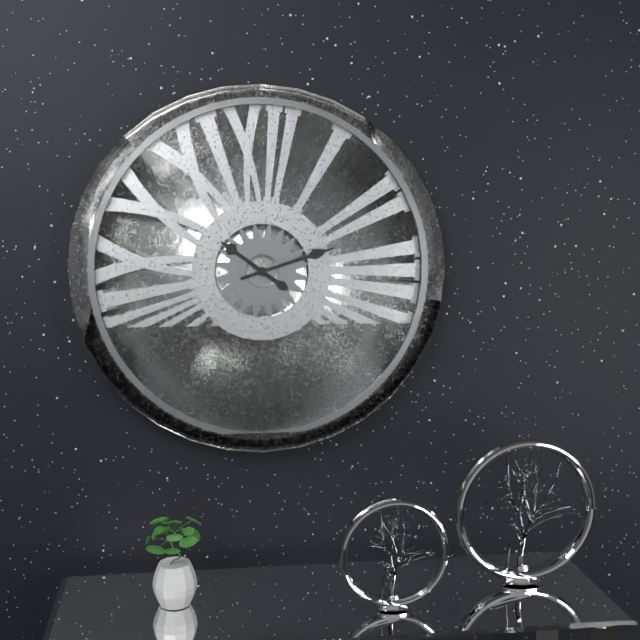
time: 10:12
